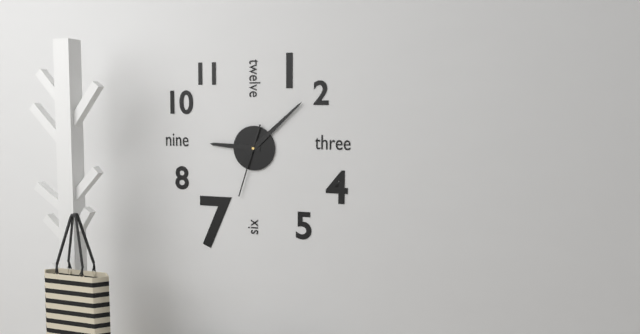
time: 9:08:33
